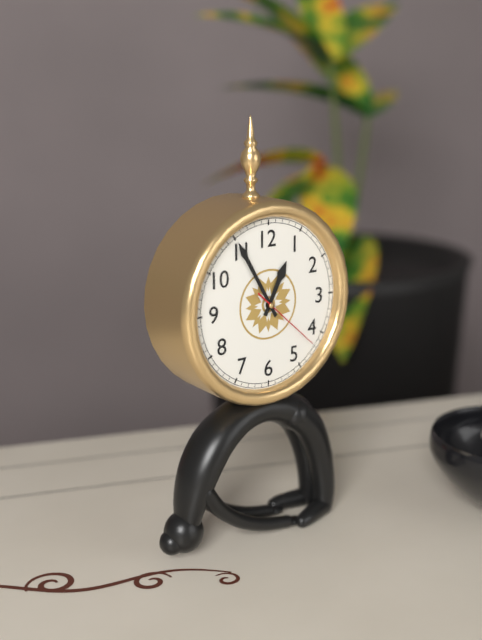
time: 12:55:22
